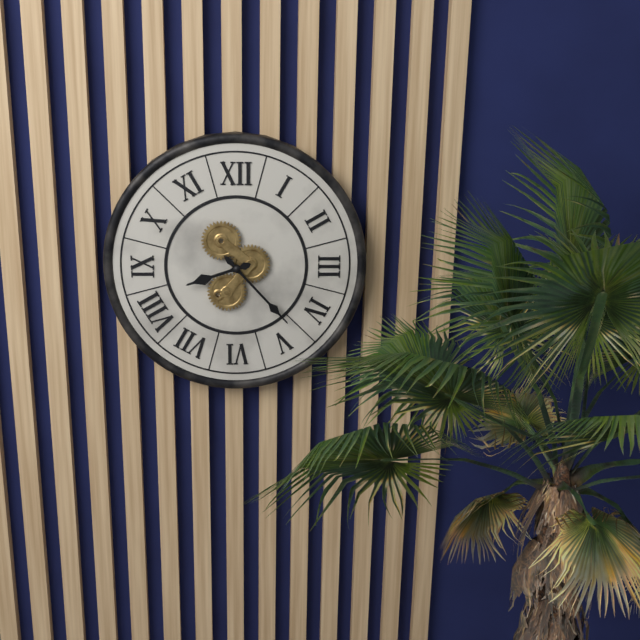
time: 8:23
